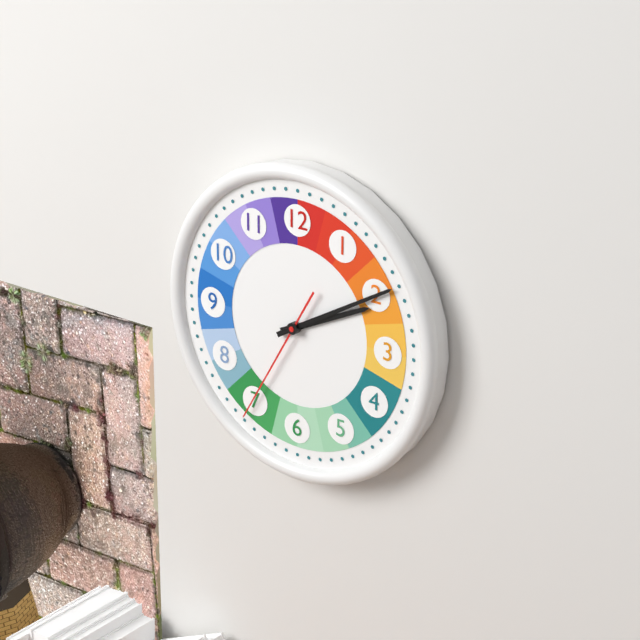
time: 2:10:35
